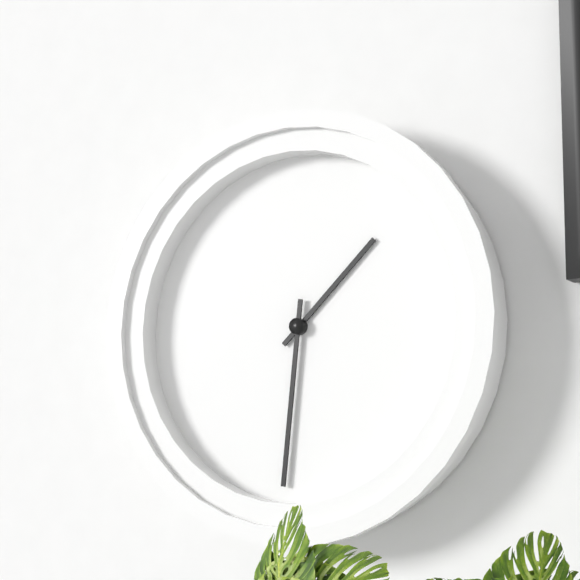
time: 1:31
